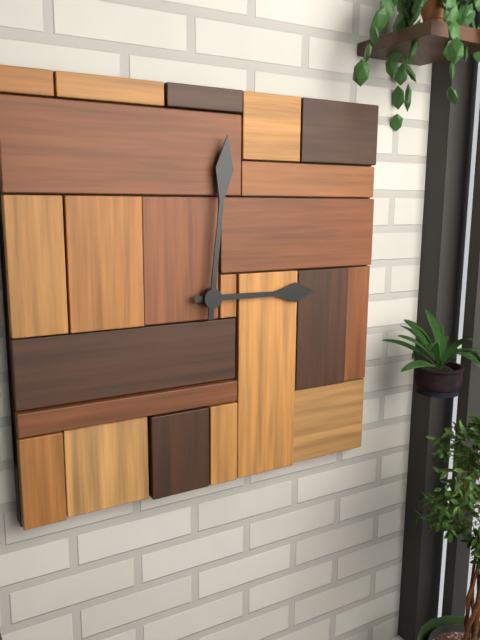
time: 3:01
